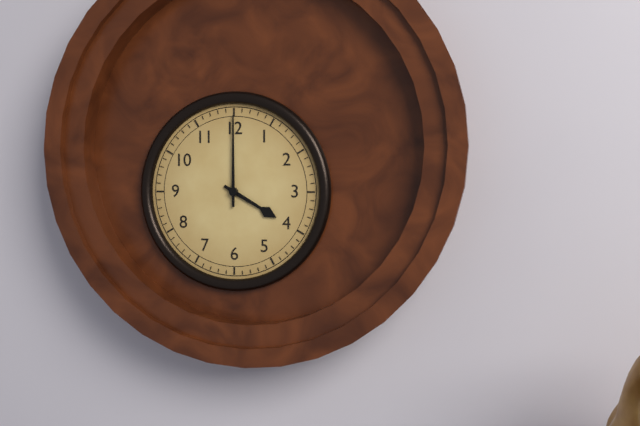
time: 4:00
